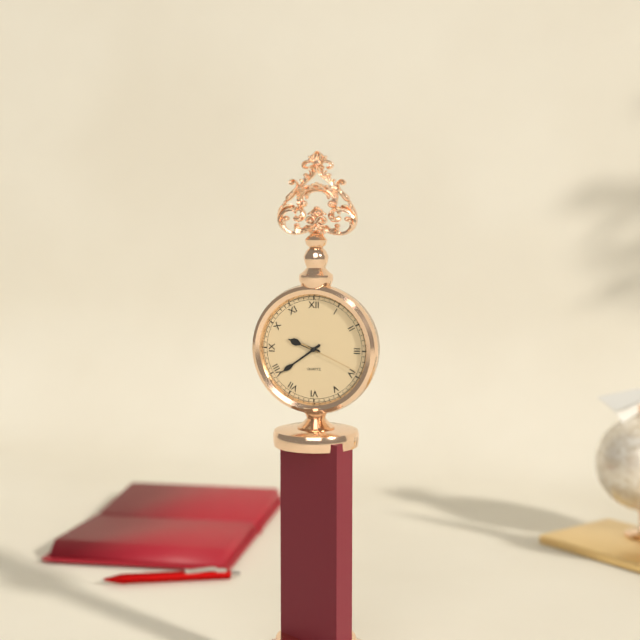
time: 9:39:19
